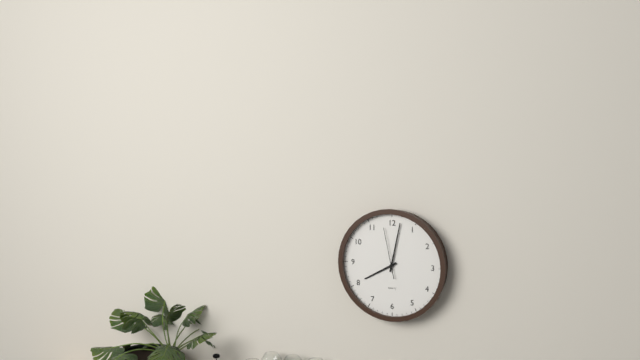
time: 8:02
